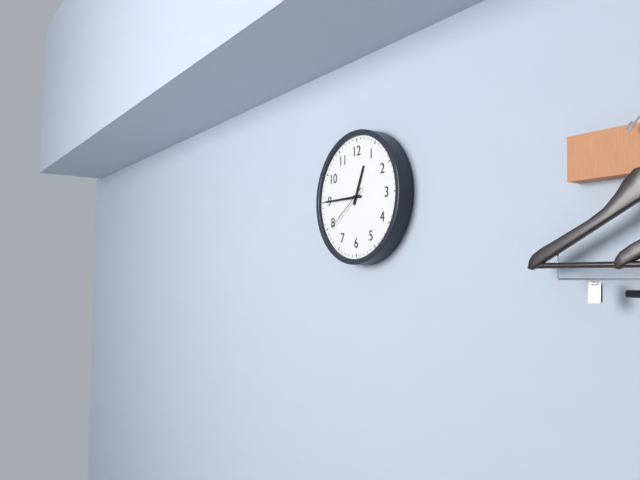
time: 12:45
